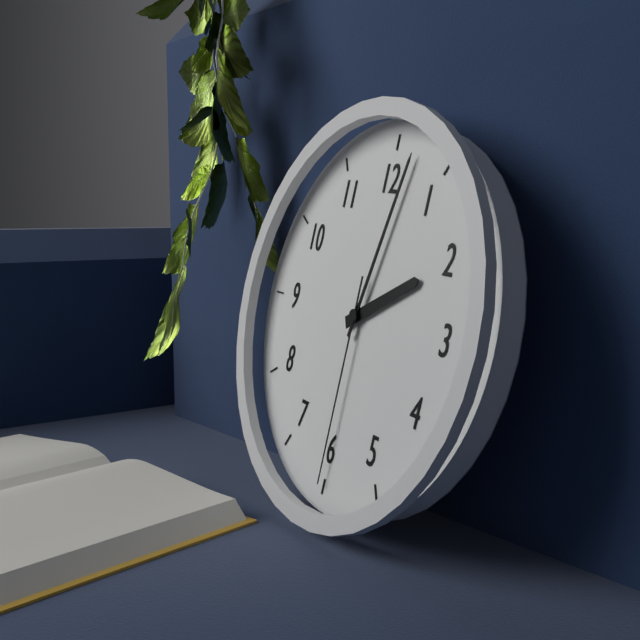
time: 2:02:30
